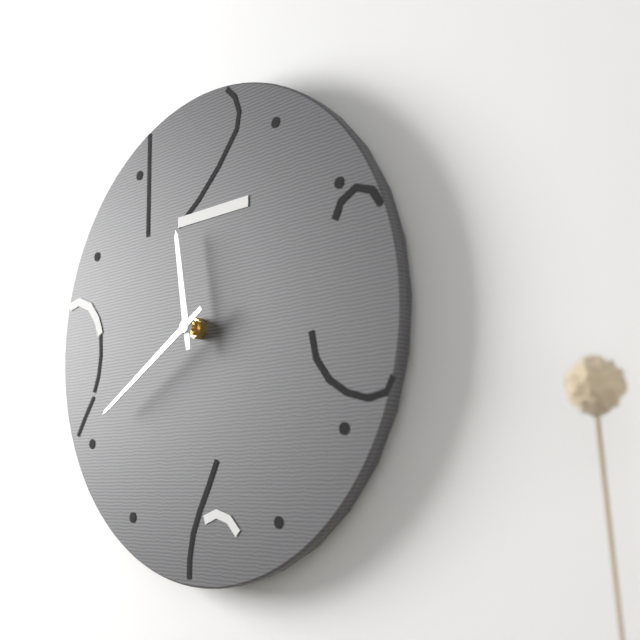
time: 11:40
